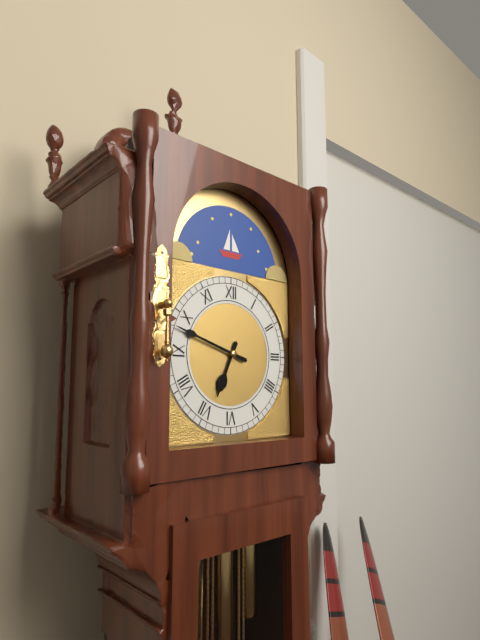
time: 6:48
